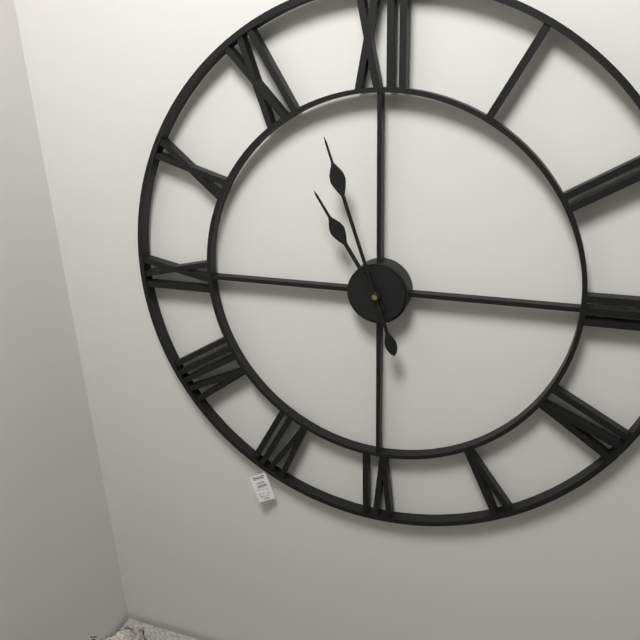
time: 10:57
